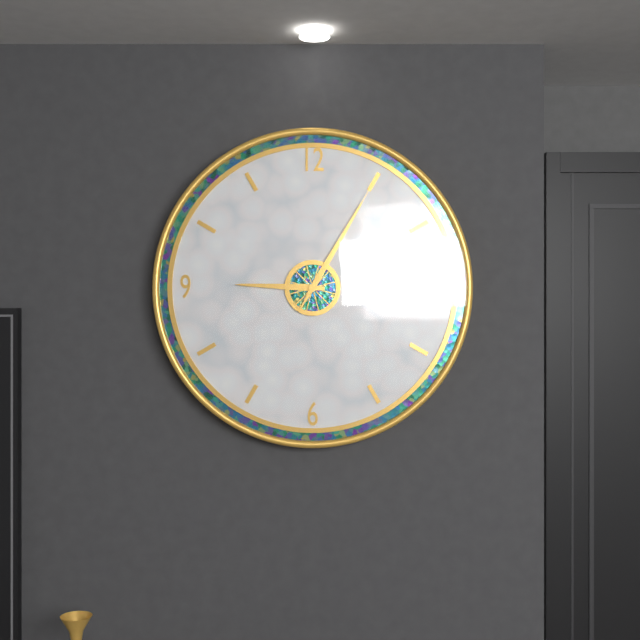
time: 9:05:05
